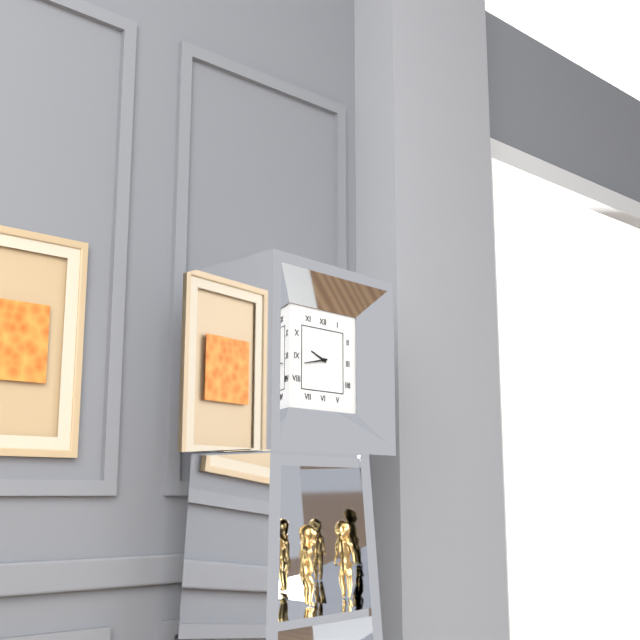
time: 9:43
